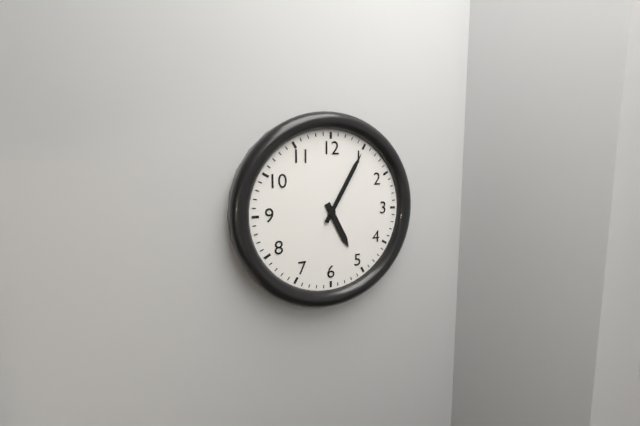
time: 5:05
